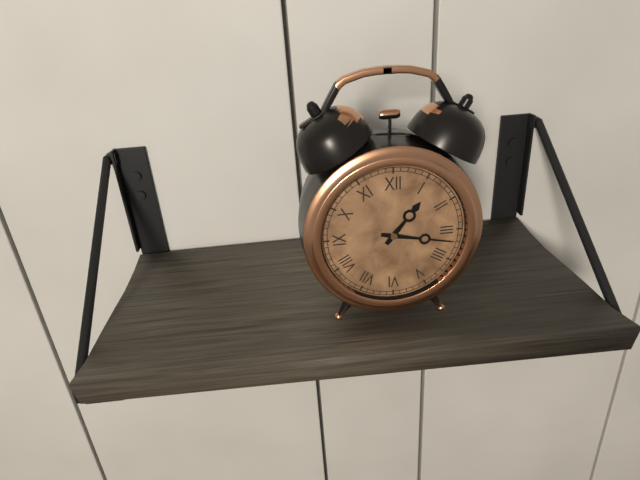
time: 1:17
